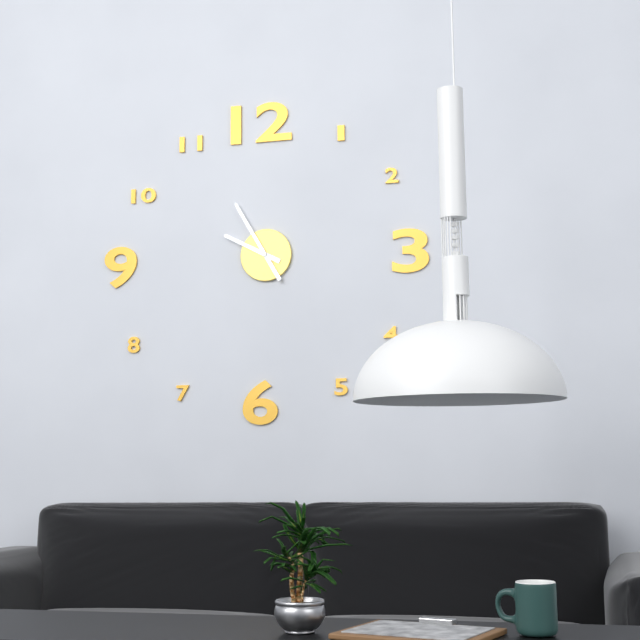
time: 9:55
